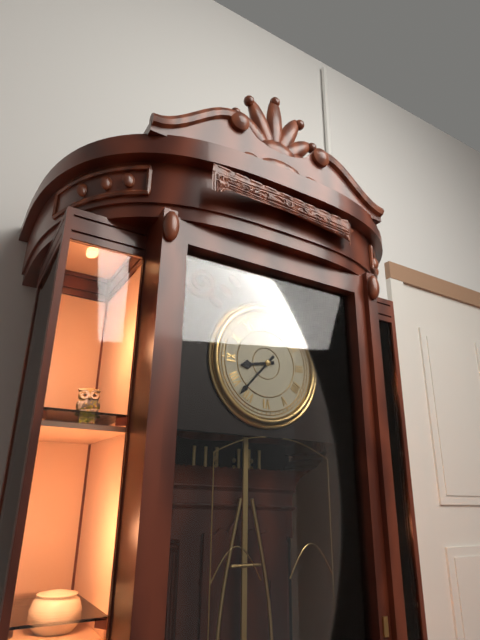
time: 8:37
